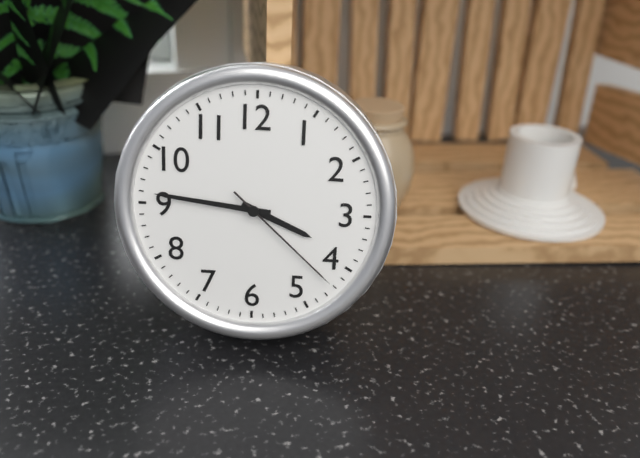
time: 3:46:22
